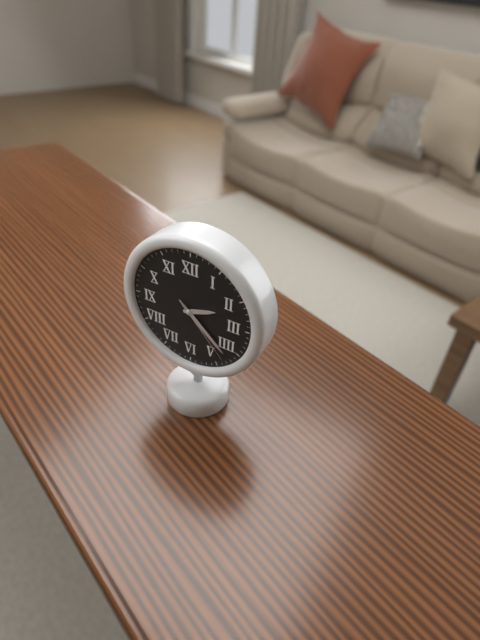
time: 2:22:23
